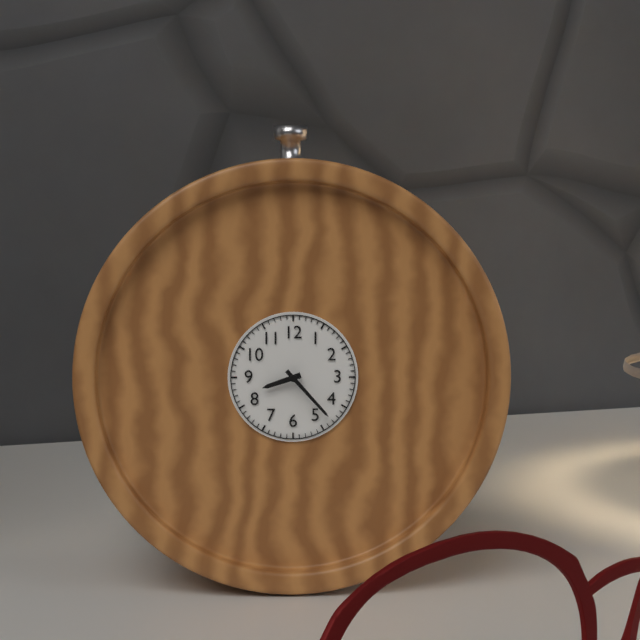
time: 8:23
